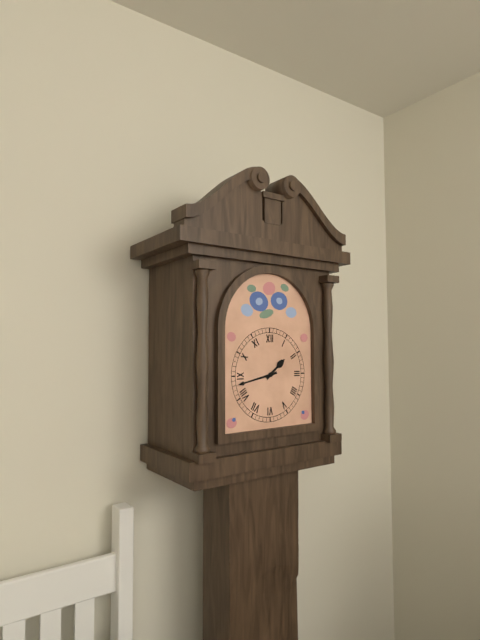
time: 1:43
